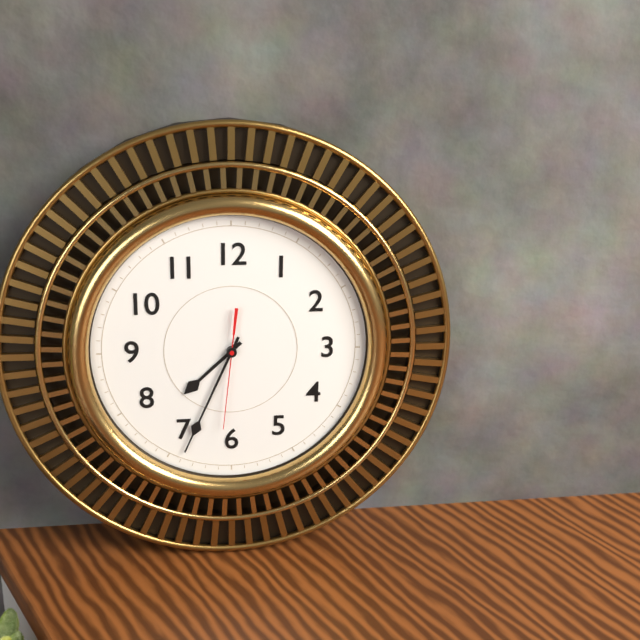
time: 7:34:31
